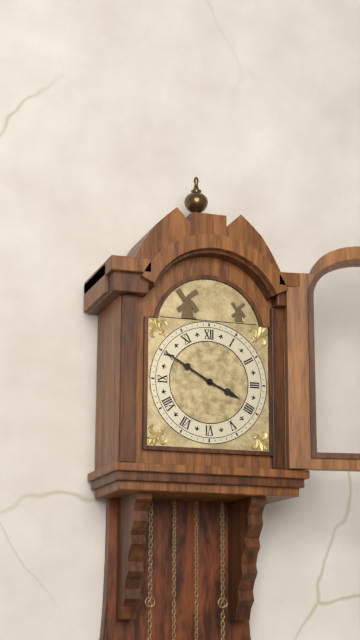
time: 3:50
